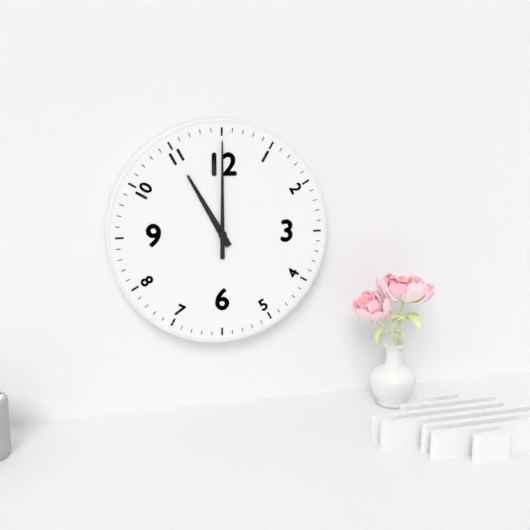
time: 11:00
